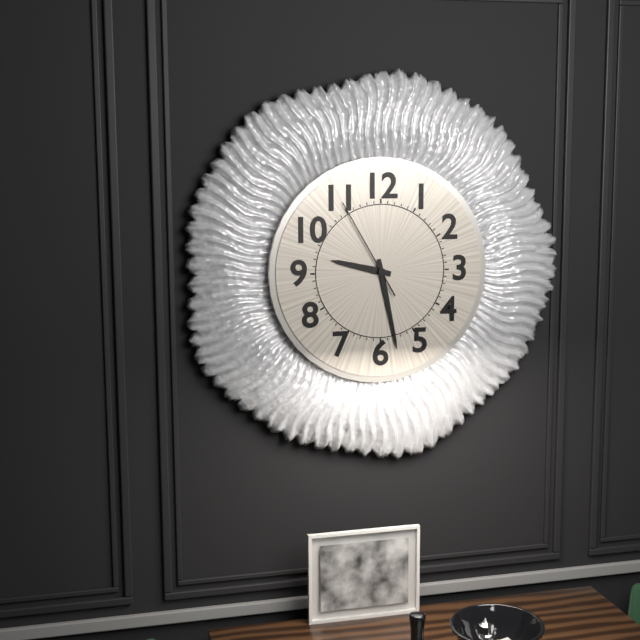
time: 9:28:55
